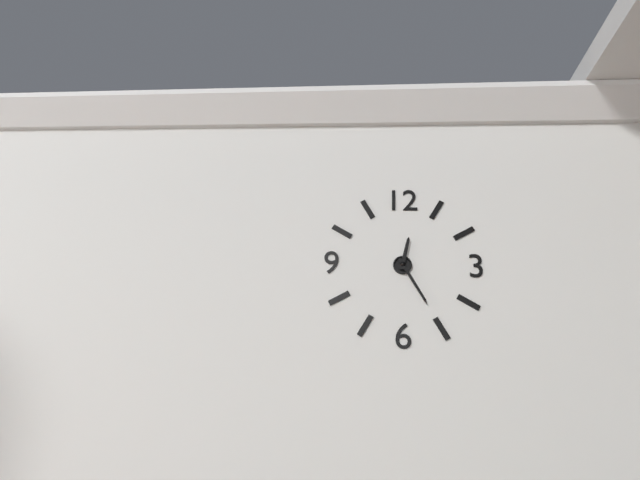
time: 12:25
